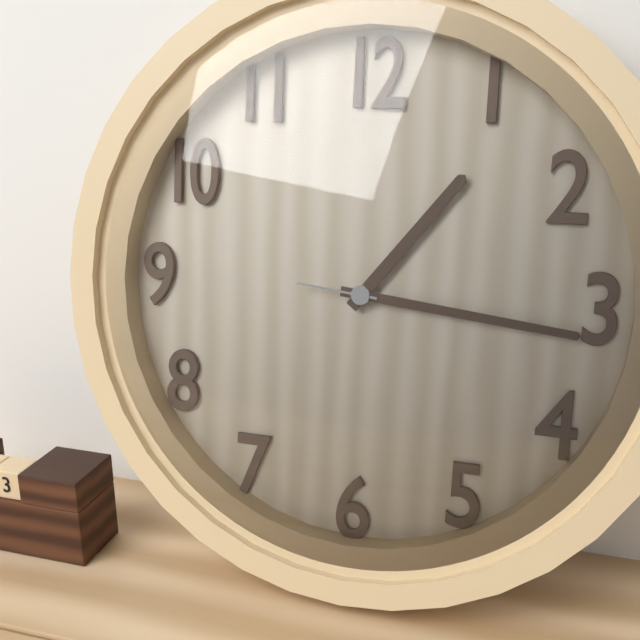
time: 1:16:46
